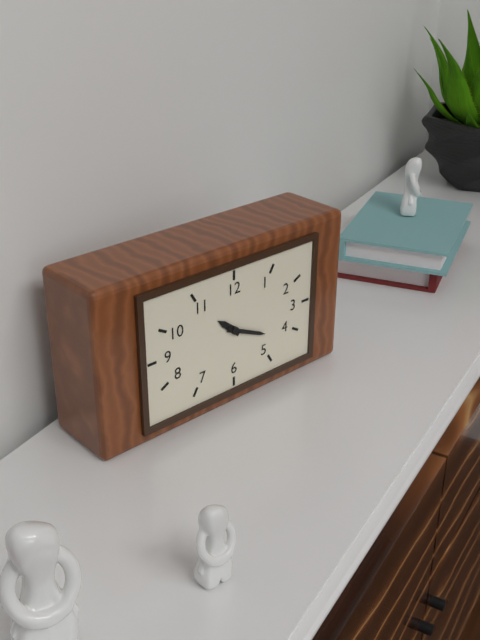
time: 10:19
